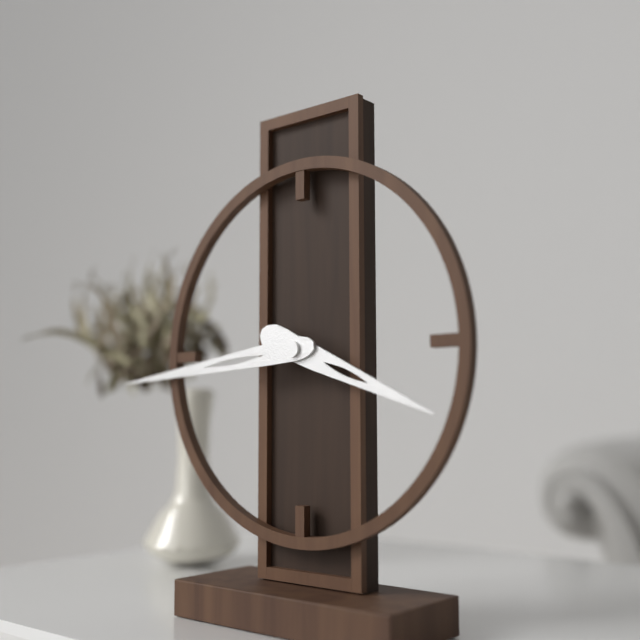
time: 3:44
